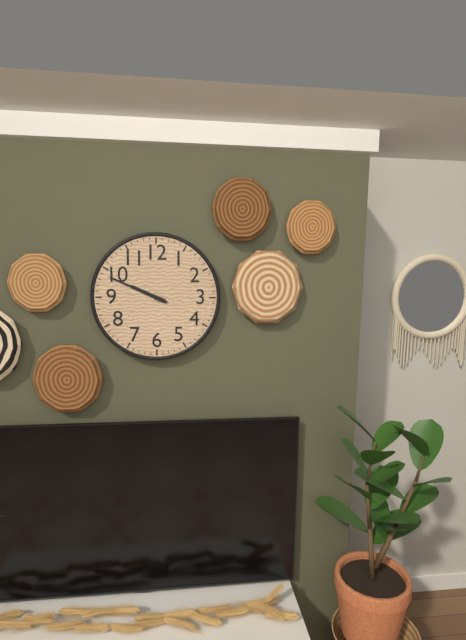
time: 9:49
